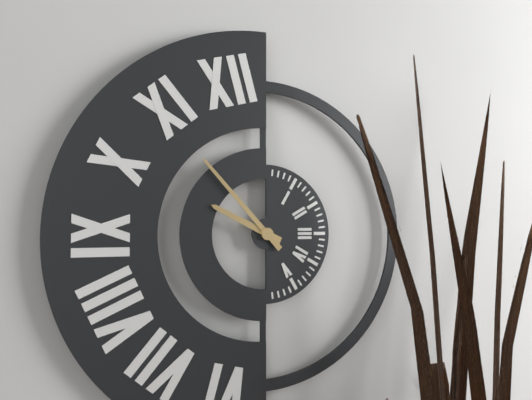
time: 9:53
